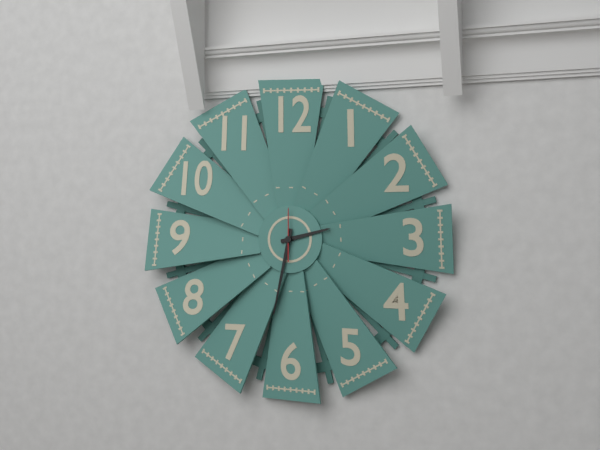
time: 2:32
